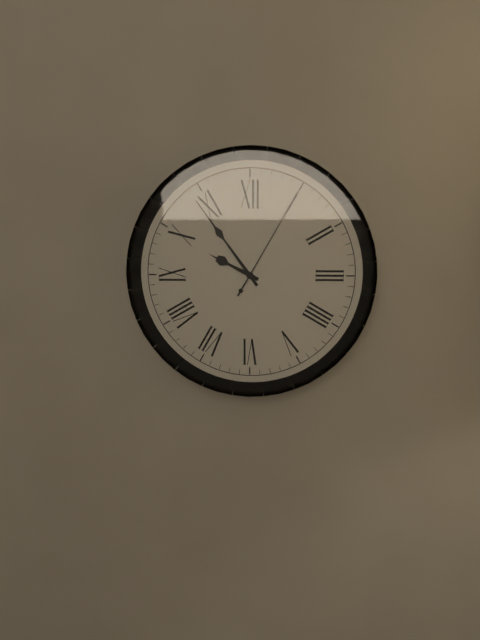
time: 9:54:05
